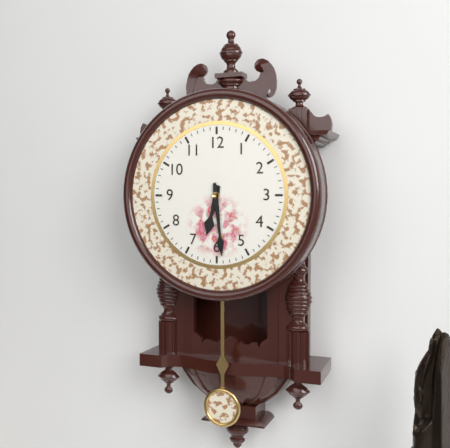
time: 6:29
